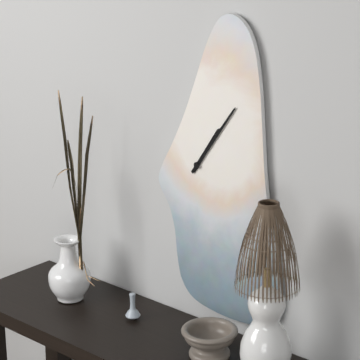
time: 1:06
